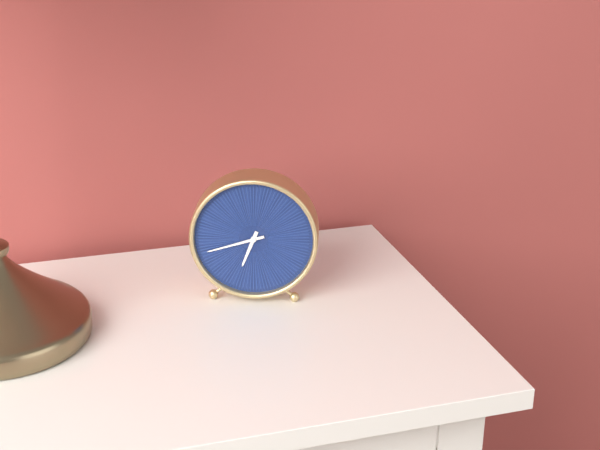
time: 6:42
